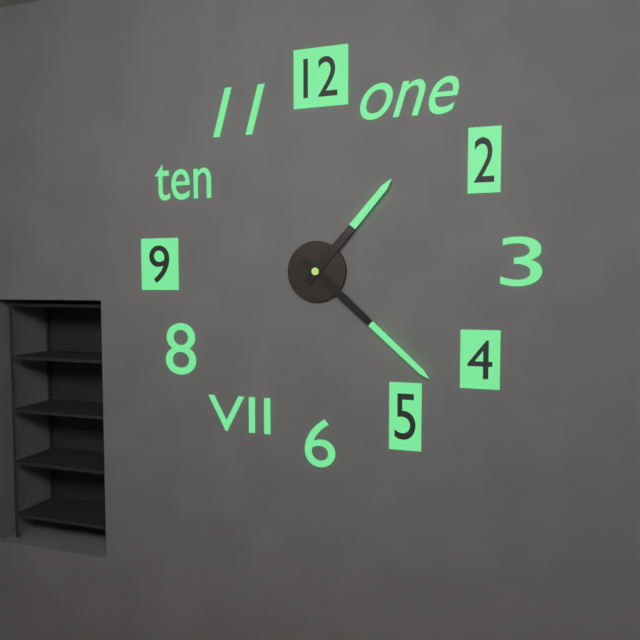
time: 1:22
